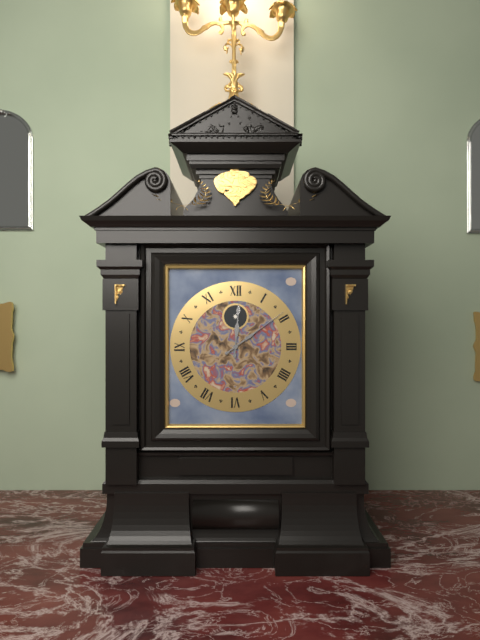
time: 12:09
